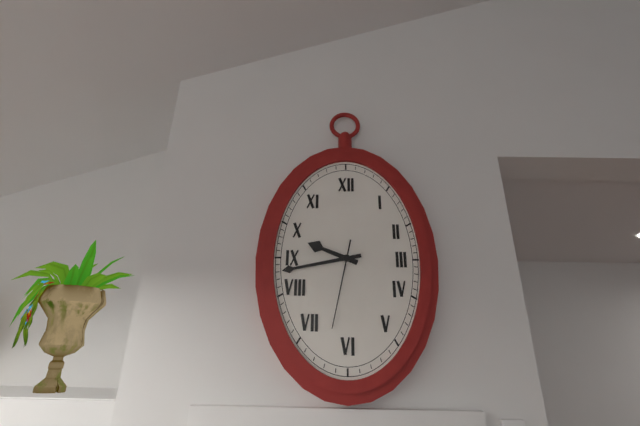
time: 9:43:32
